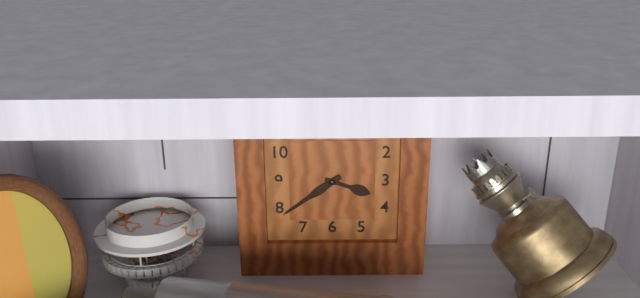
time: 3:39
